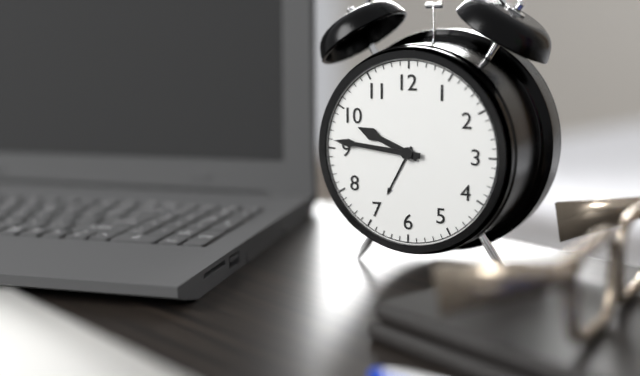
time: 9:46
